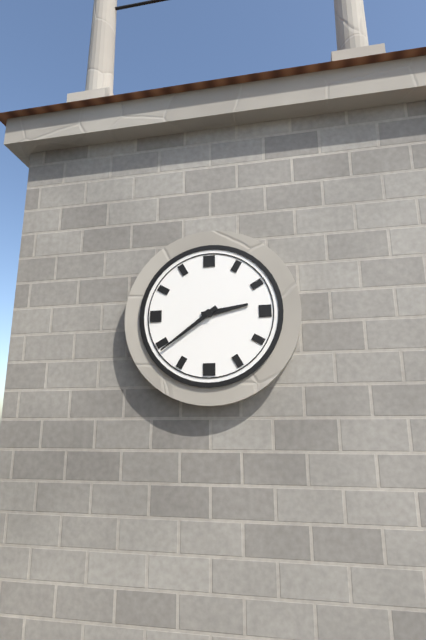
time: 2:39
